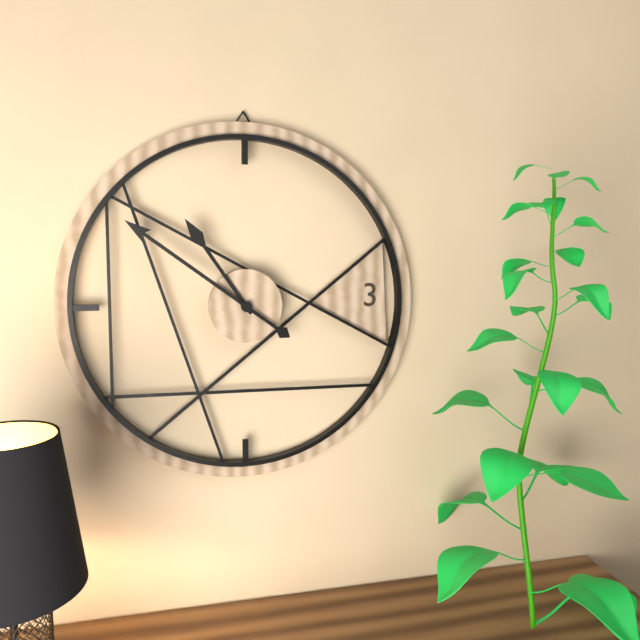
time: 10:51
